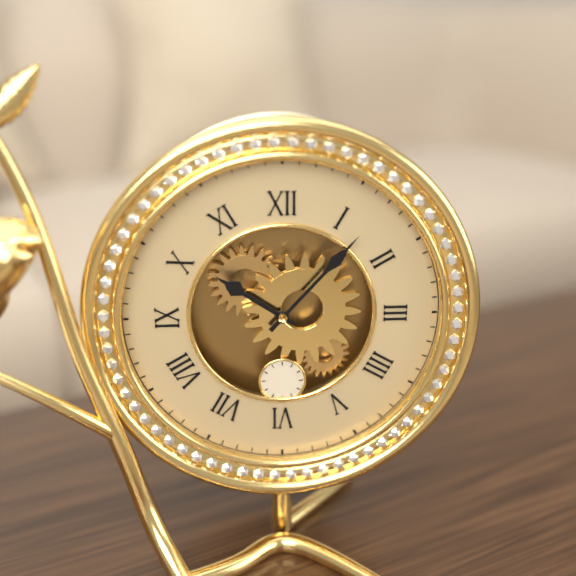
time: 10:07
